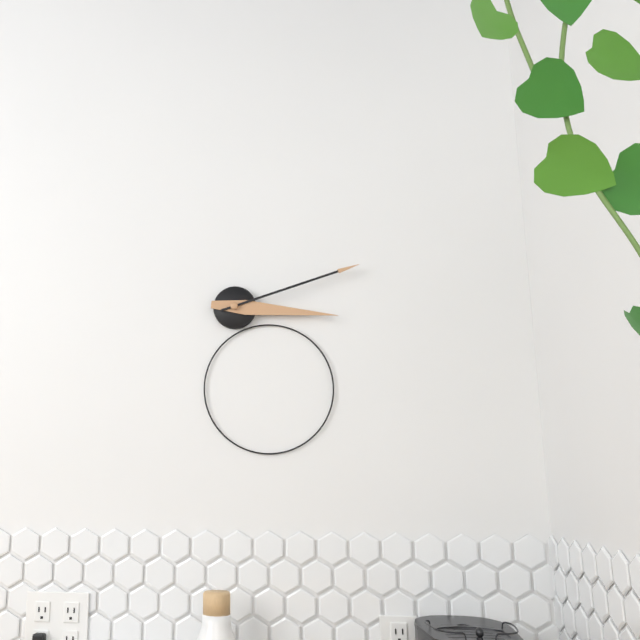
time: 3:12
